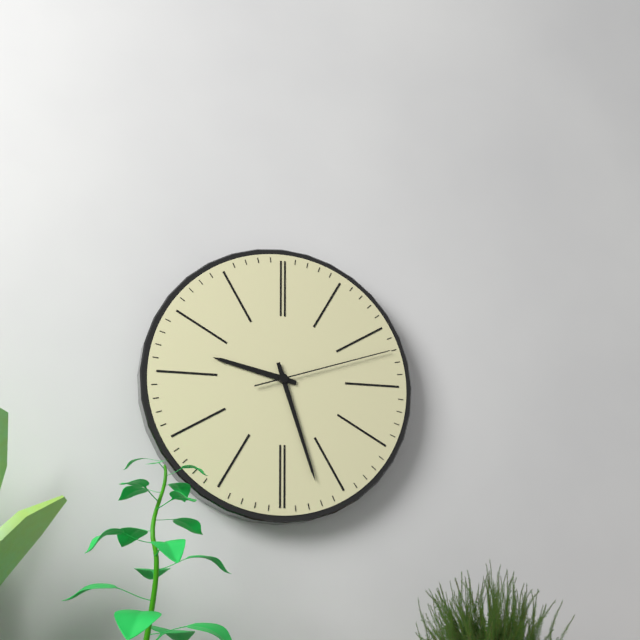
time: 9:27:12
